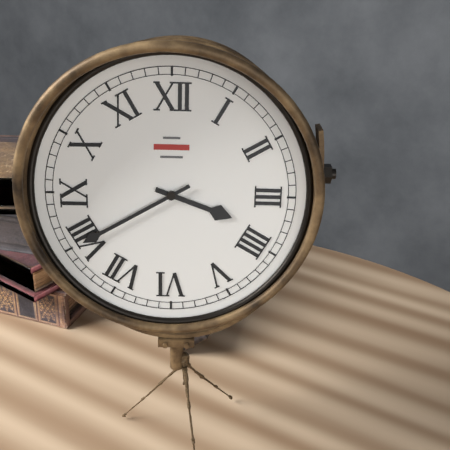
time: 3:40
